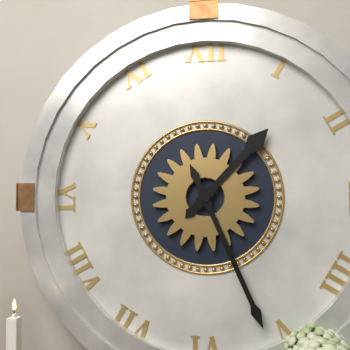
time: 1:26
